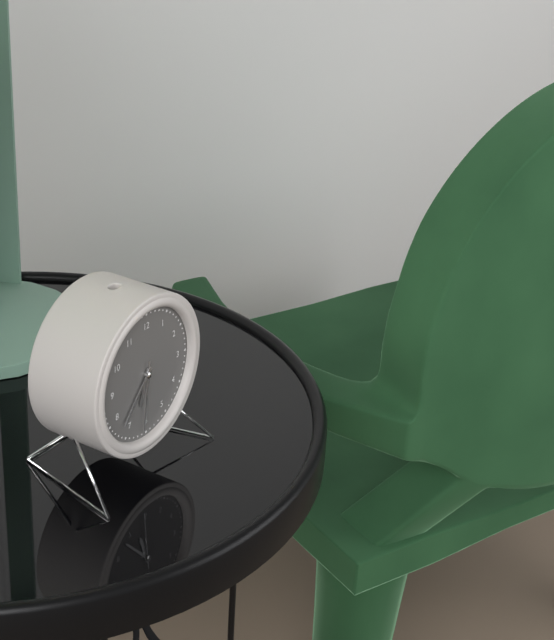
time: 6:37:31
